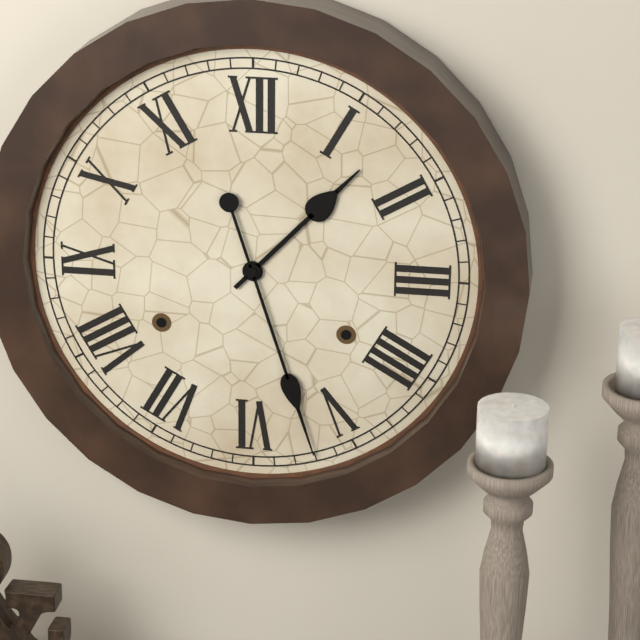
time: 1:27
